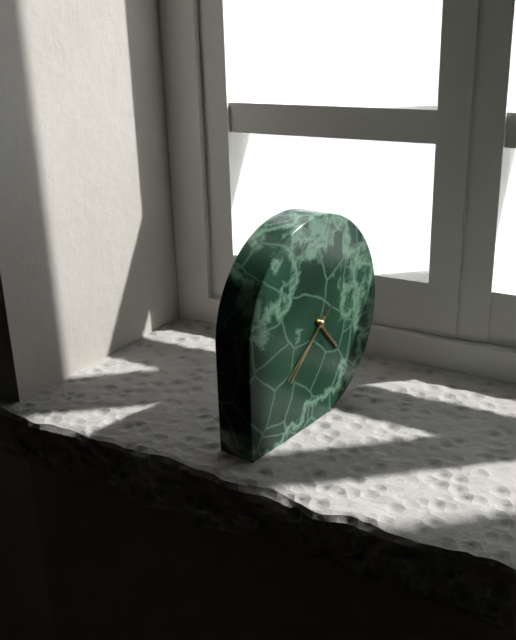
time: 4:38:39
